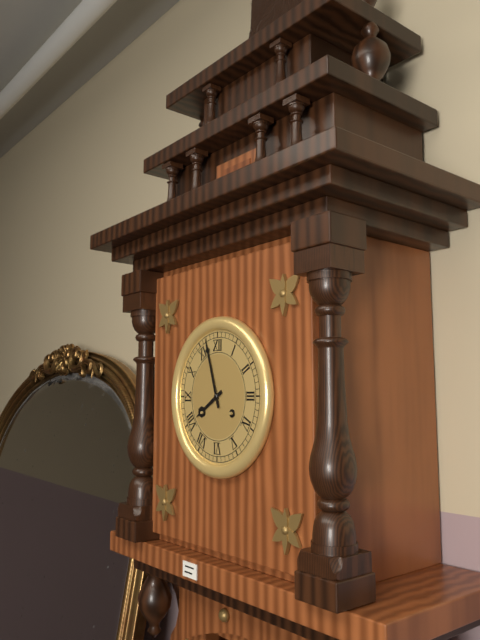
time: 7:57
